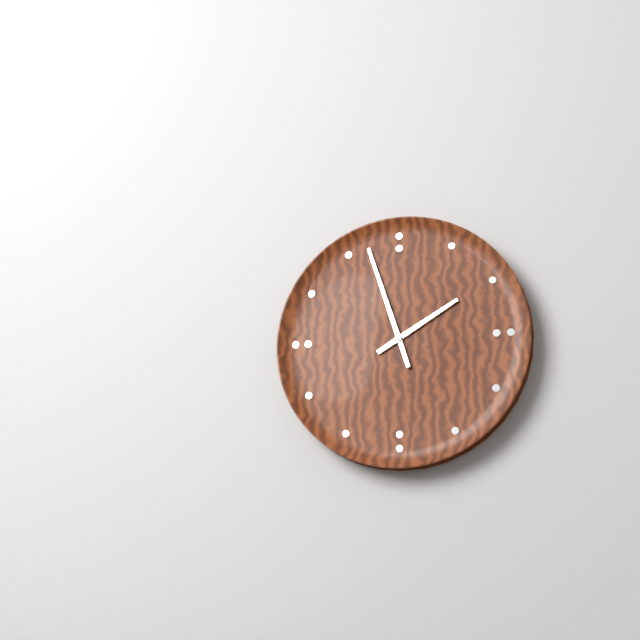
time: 1:57
